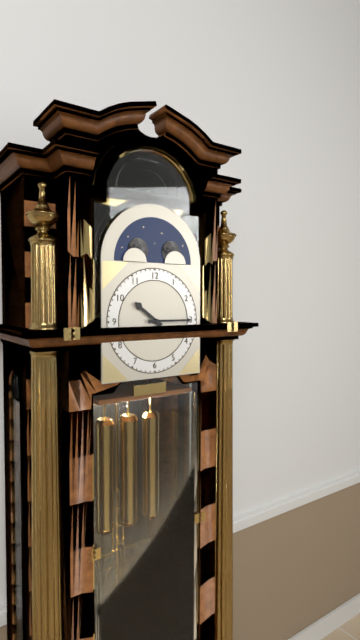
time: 10:15
